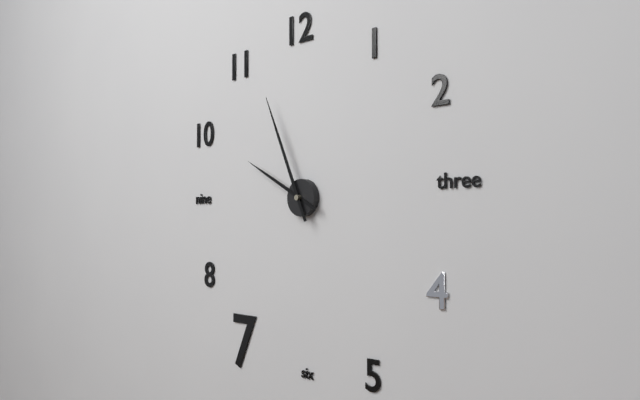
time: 9:56
